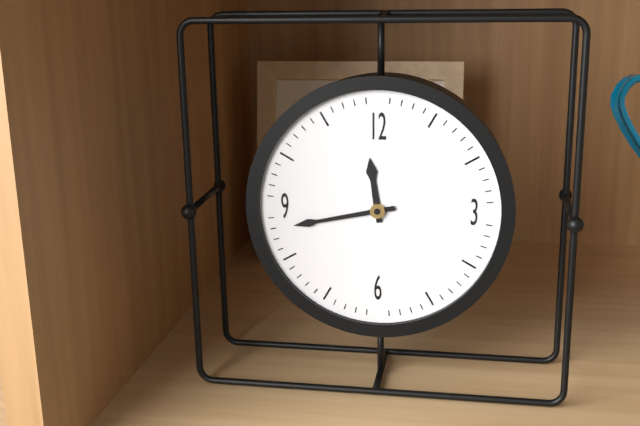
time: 11:43
